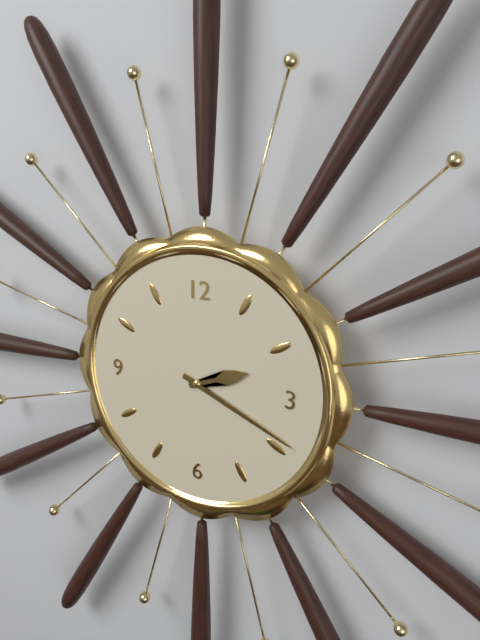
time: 2:19
